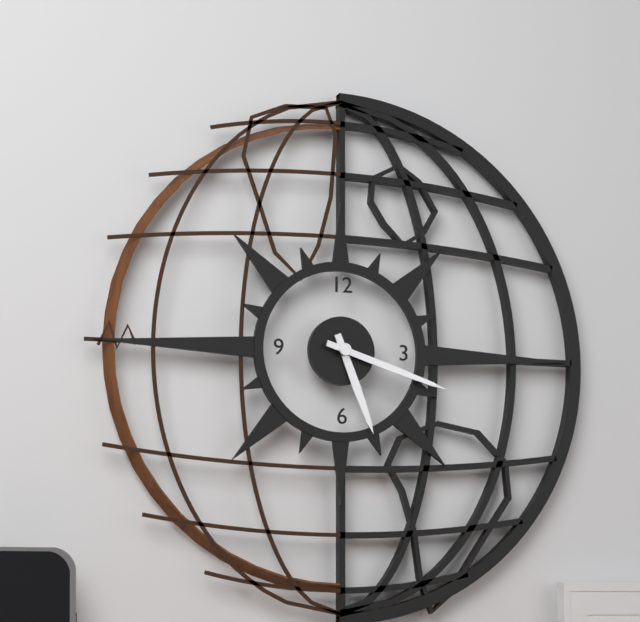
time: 5:18
